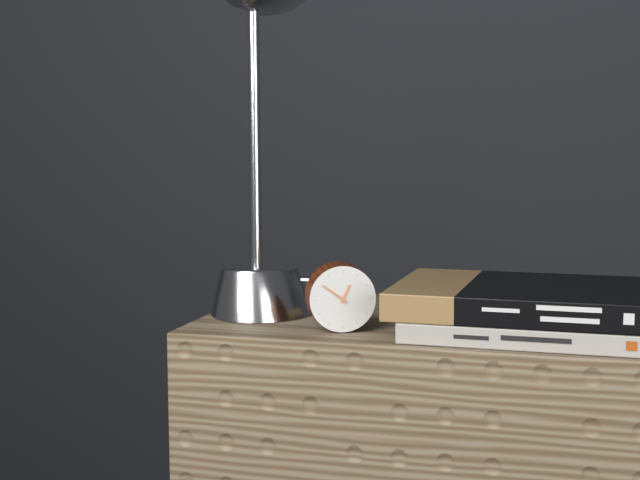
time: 12:51
